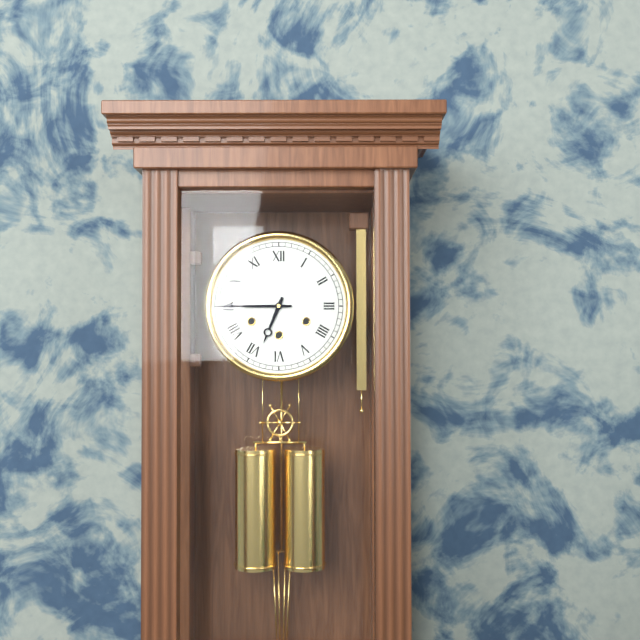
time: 6:45
